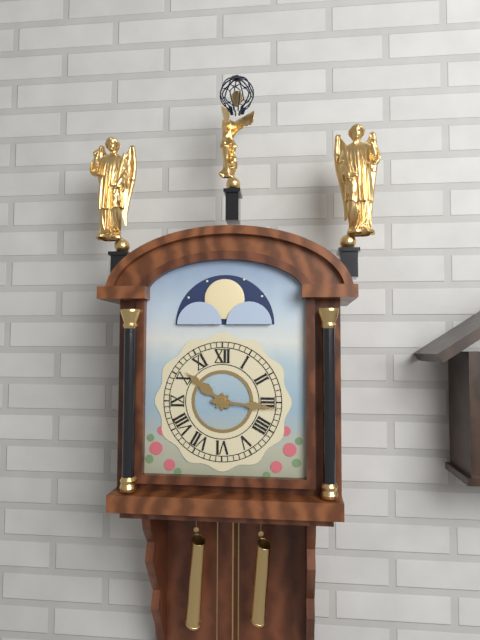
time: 10:16
